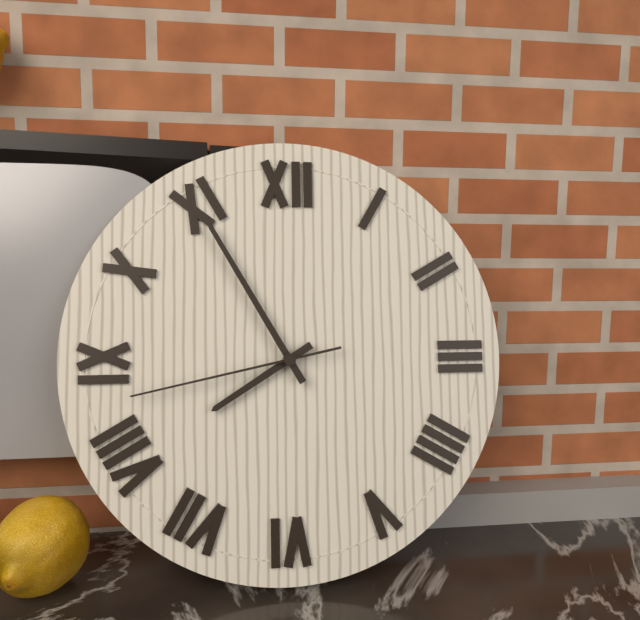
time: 7:55:43
